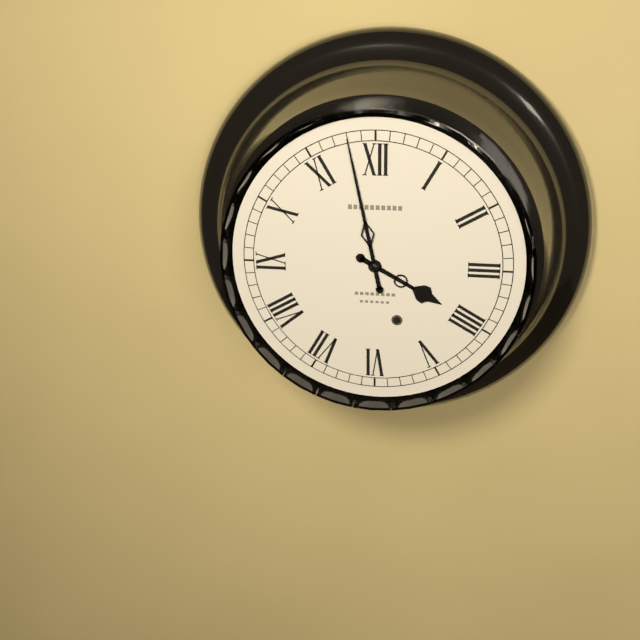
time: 3:58
